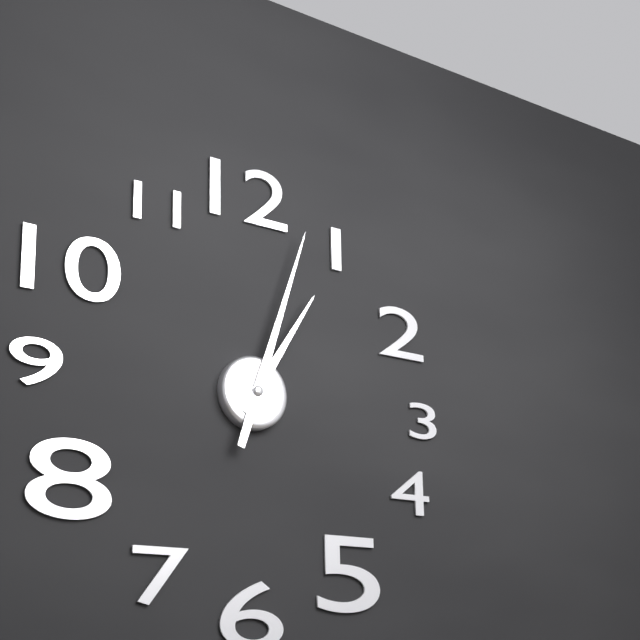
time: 1:03
